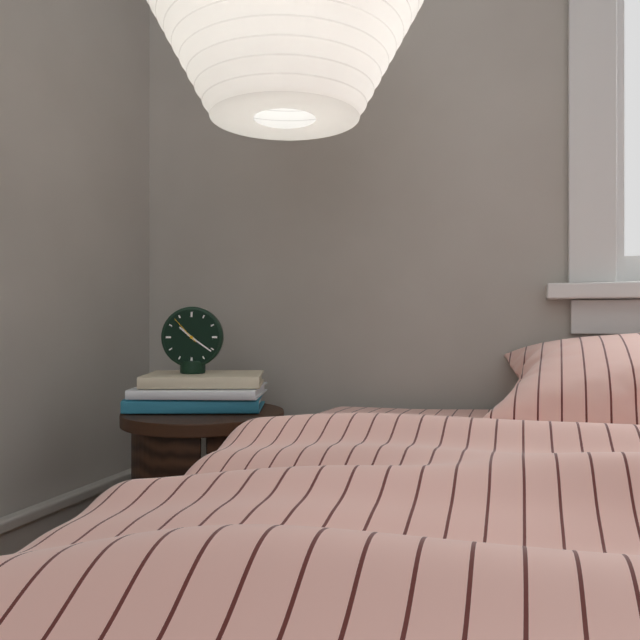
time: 10:21
